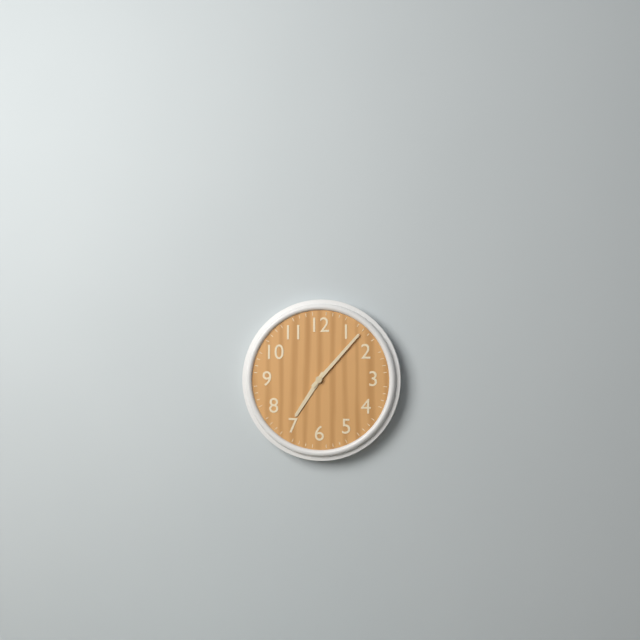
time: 7:07
